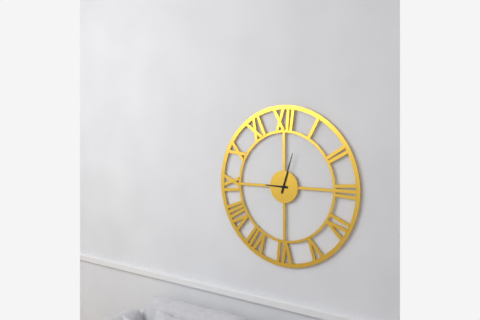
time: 9:03
